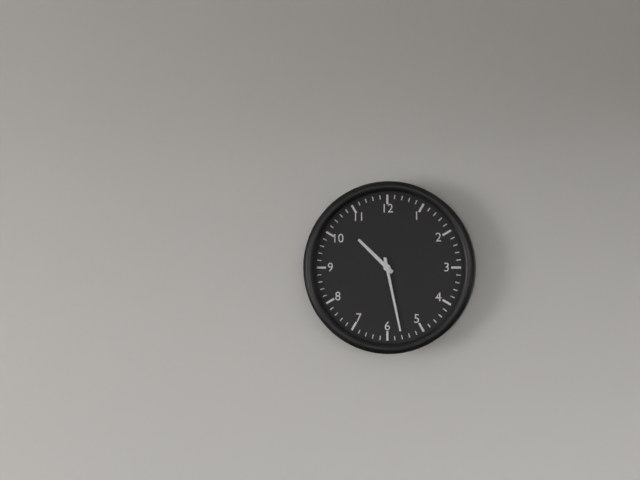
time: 10:28
